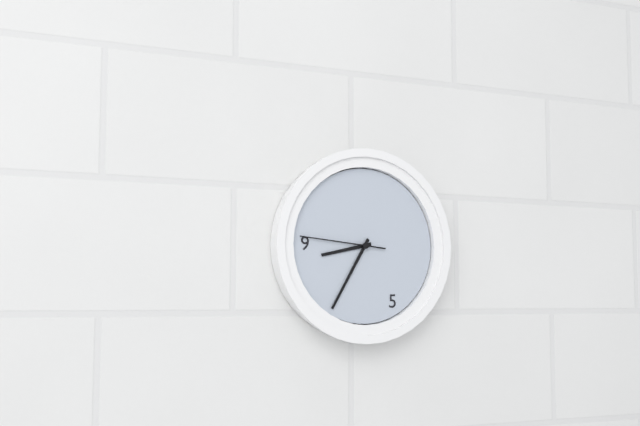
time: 8:35:46
